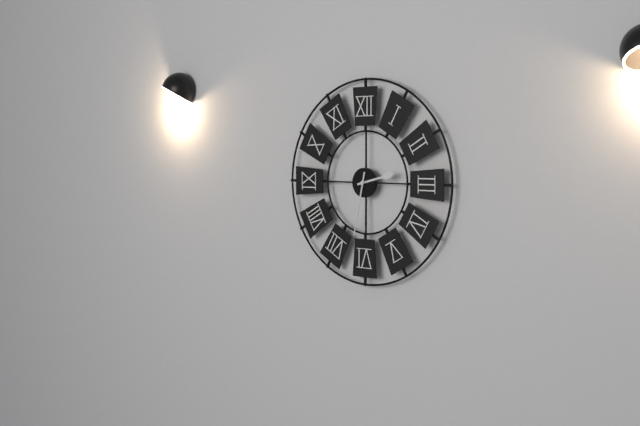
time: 2:32
